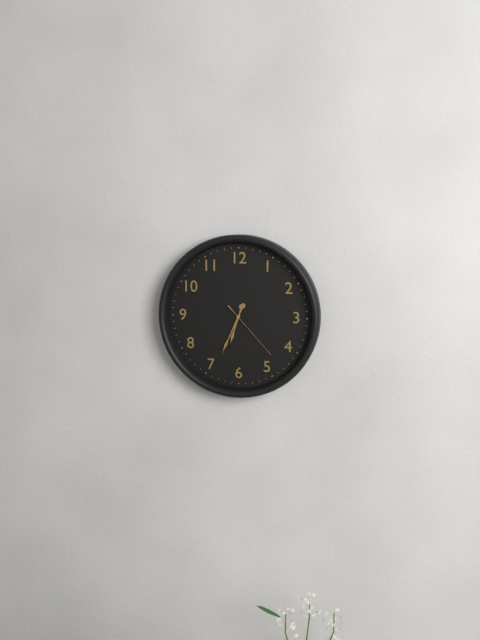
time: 6:34:23
